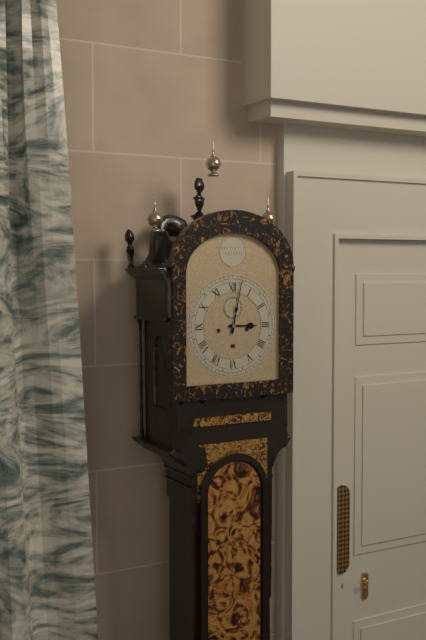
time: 3:02
